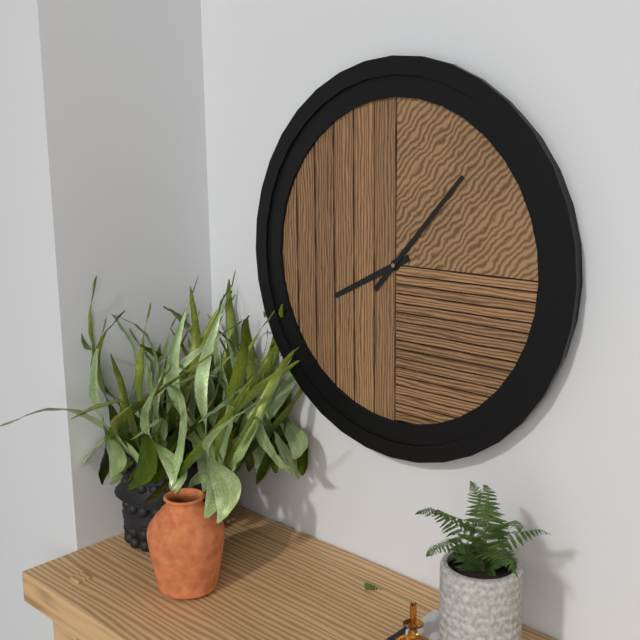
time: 8:07
